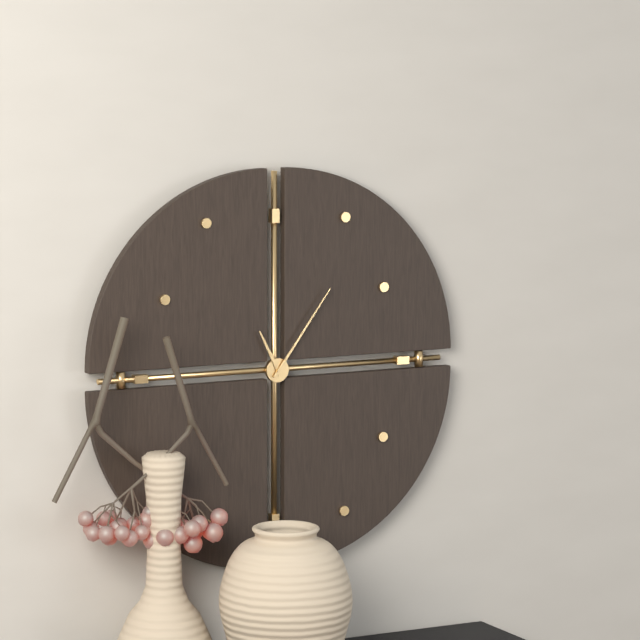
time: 11:06
